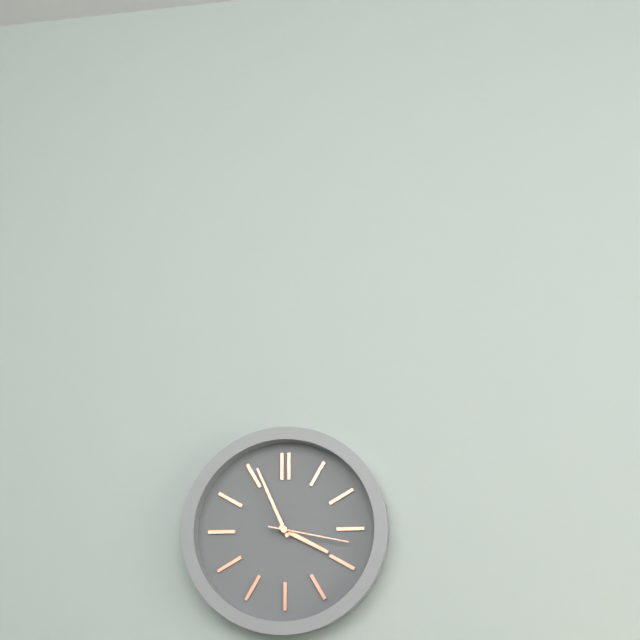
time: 3:56:17
